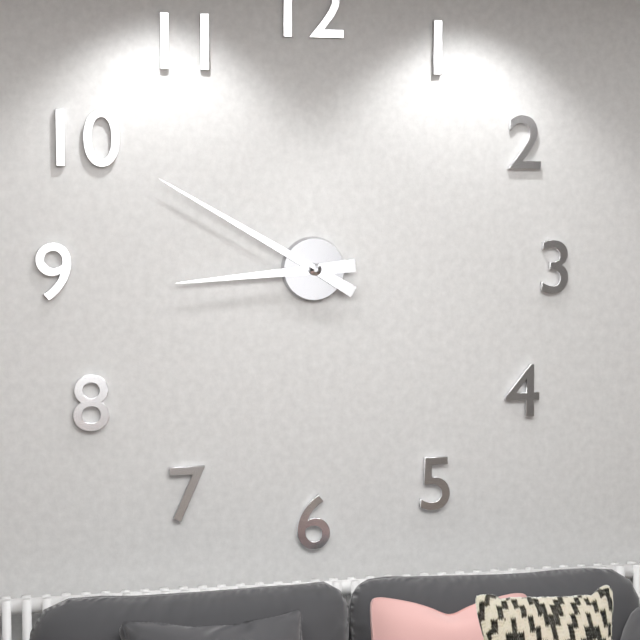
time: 8:50
